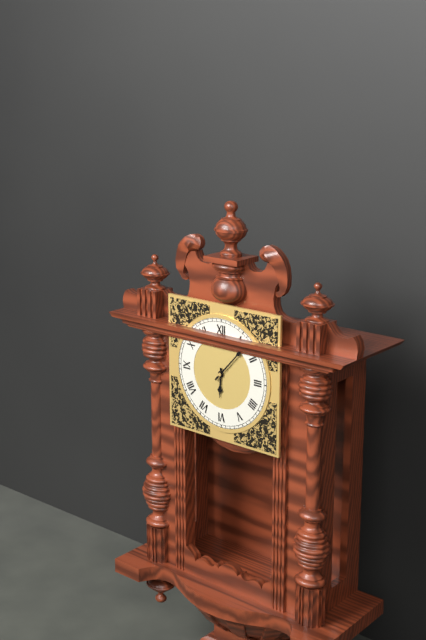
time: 6:07
